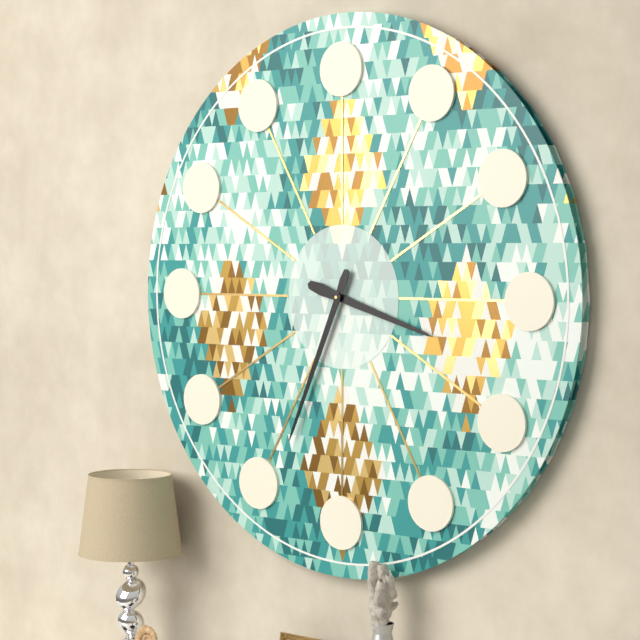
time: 3:34
